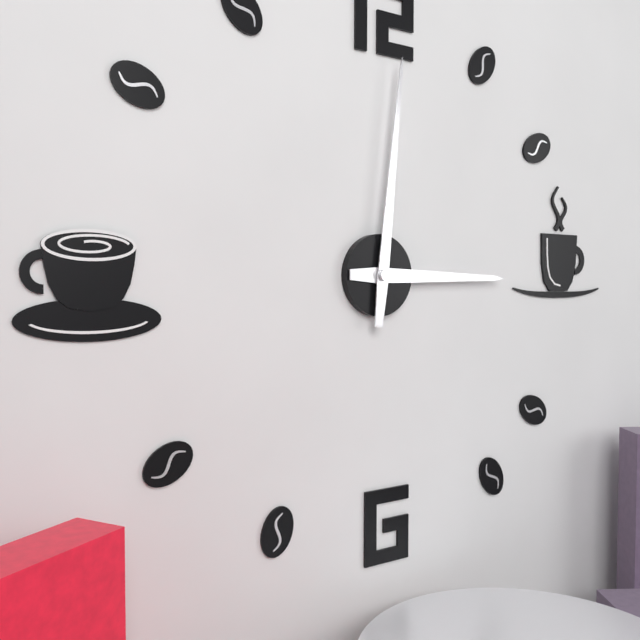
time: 3:01
